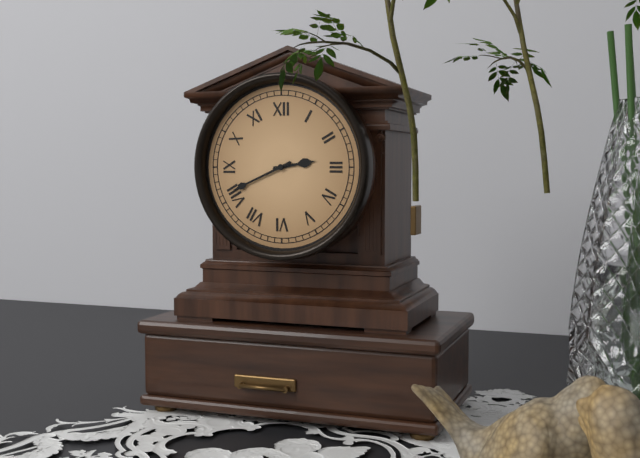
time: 2:41
